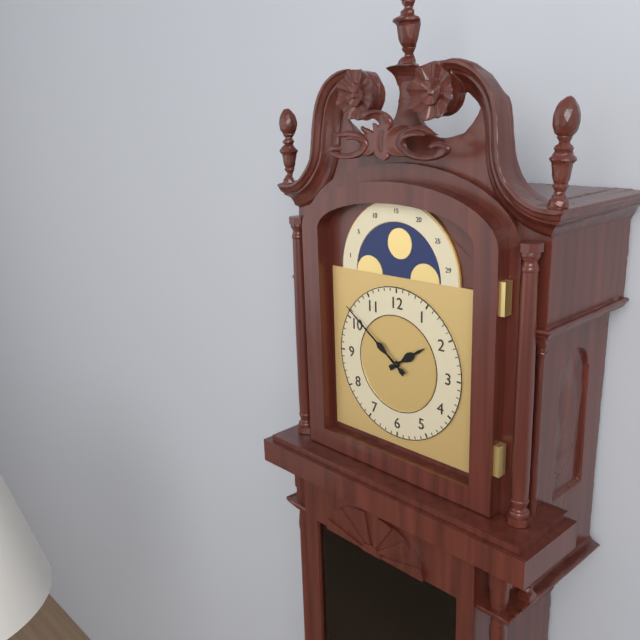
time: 1:51
